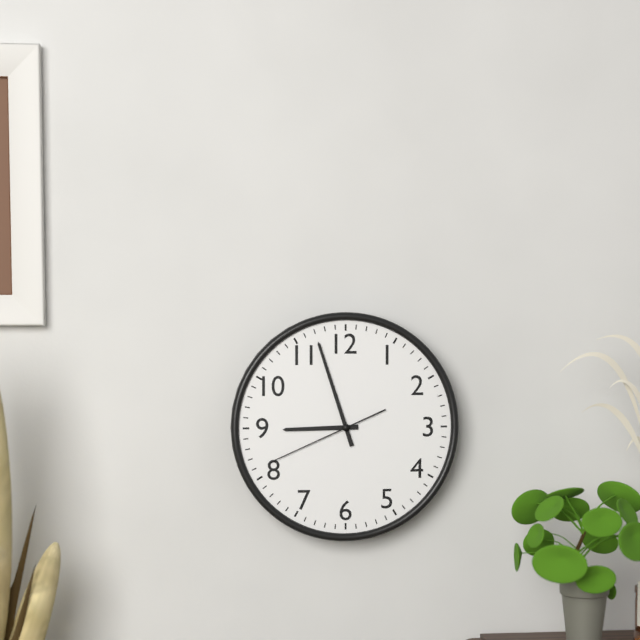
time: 8:57:41
